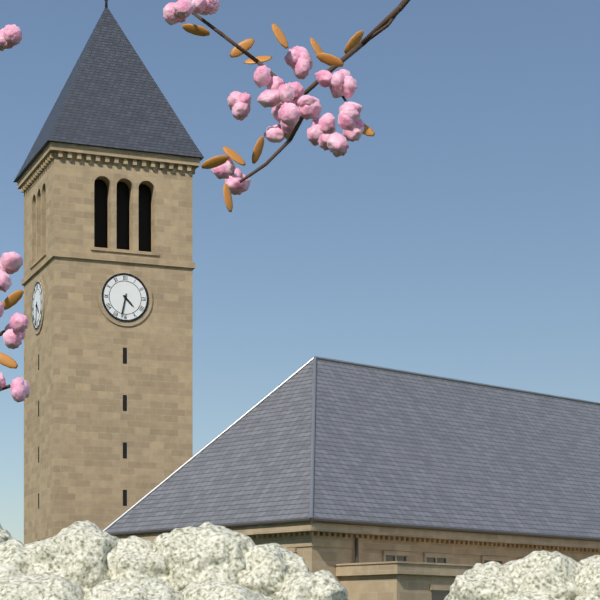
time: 4:32
